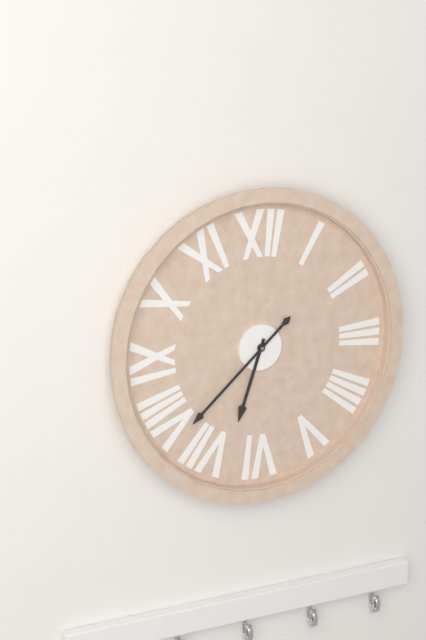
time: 6:38
